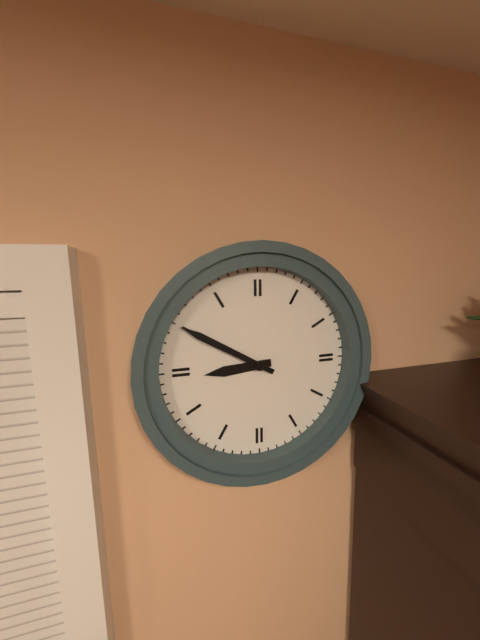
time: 8:50
